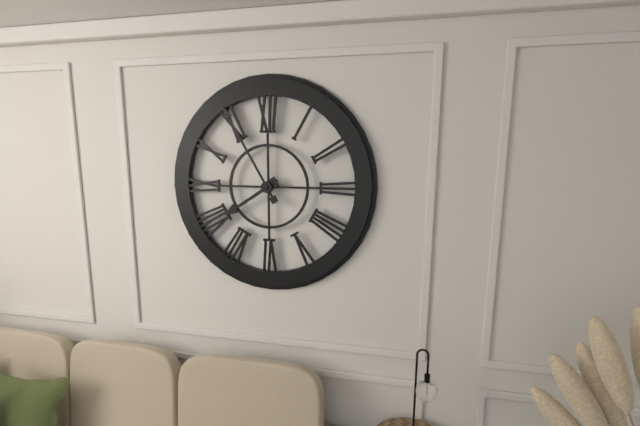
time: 7:55
